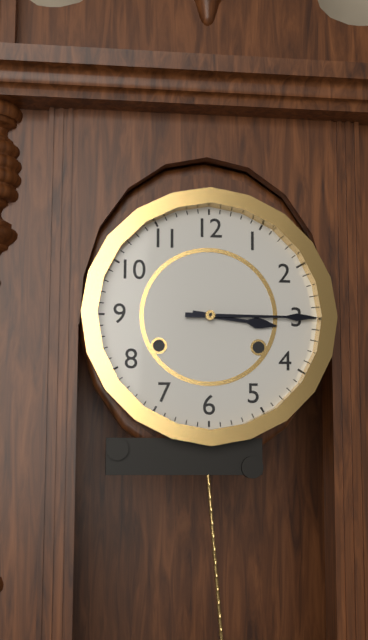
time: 3:15
